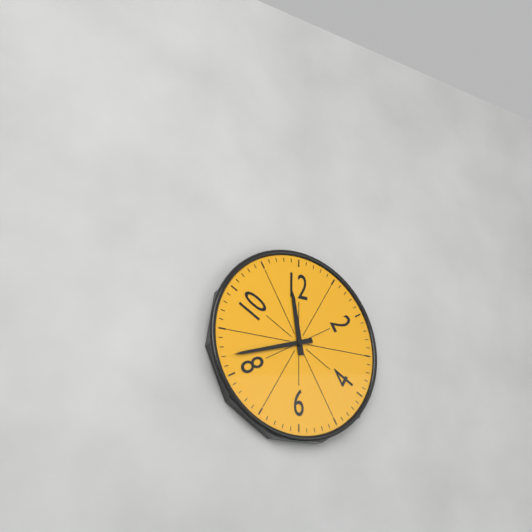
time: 11:42
